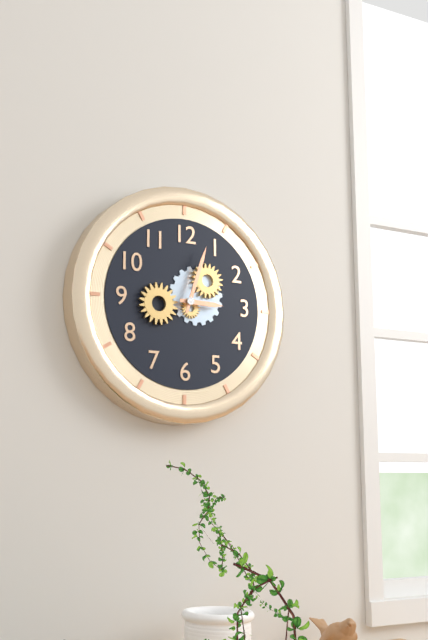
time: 3:03
